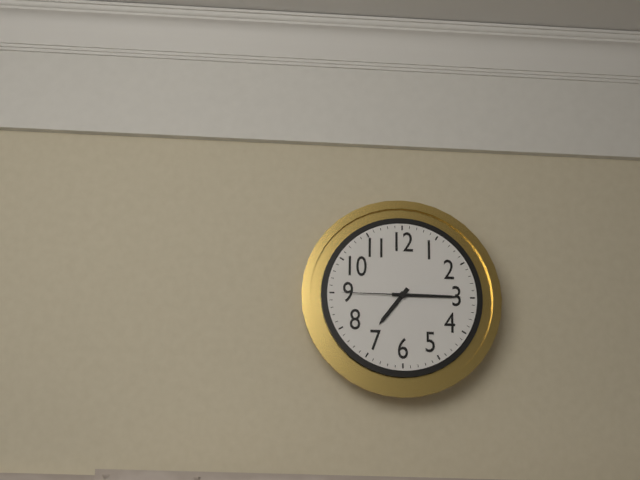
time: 7:15:45
